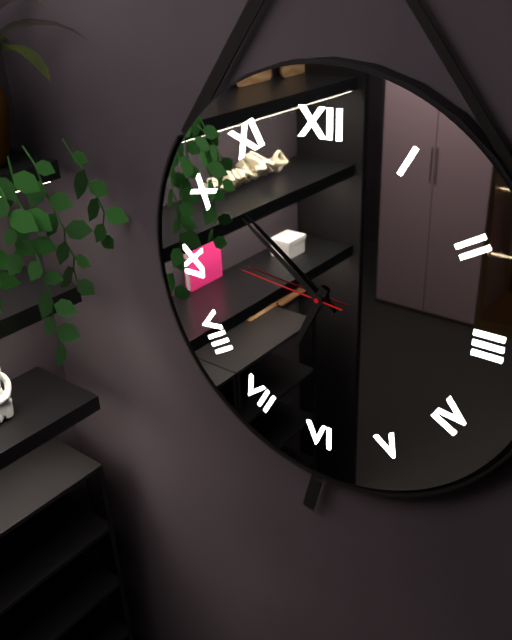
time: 6:51:46
